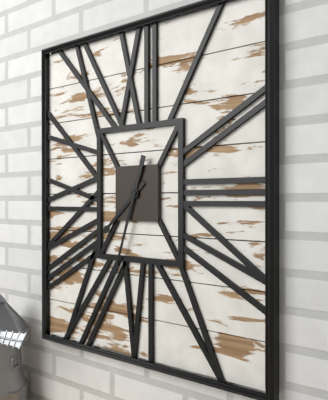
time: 7:33
